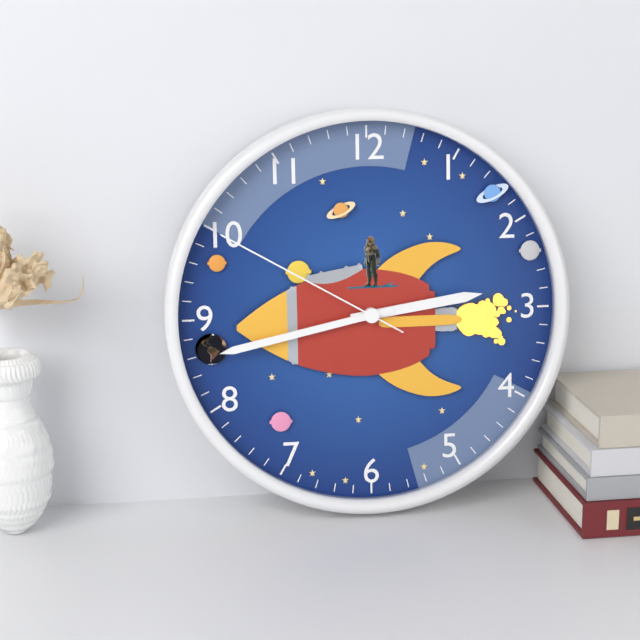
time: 2:43:50
